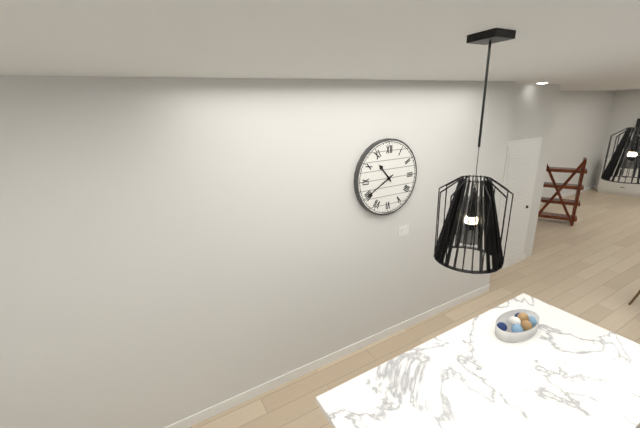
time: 10:40
